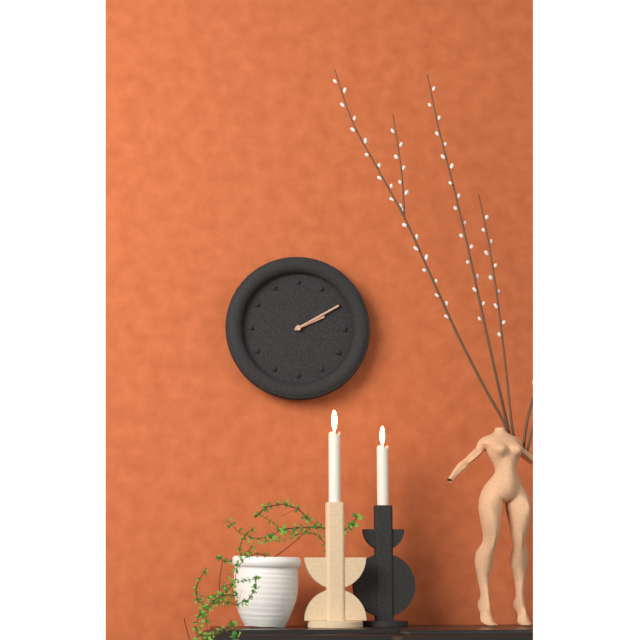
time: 2:10
